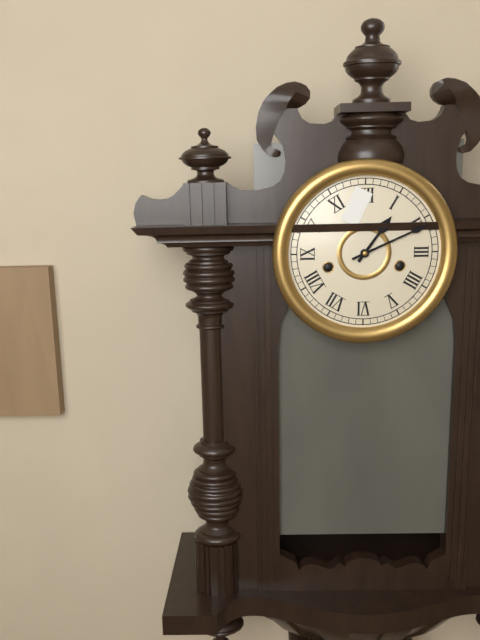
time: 1:11
